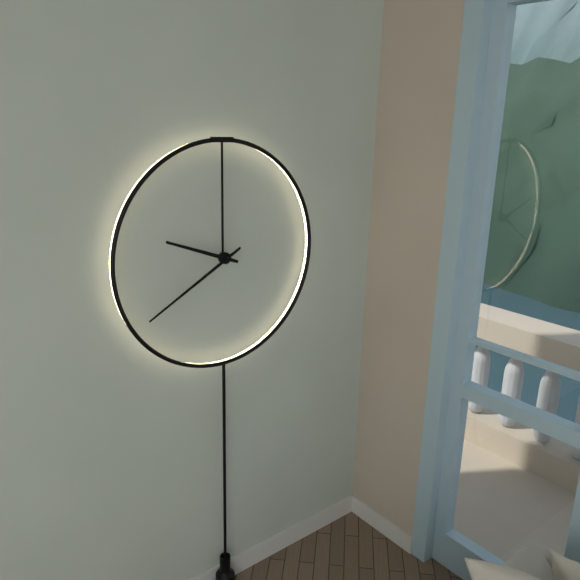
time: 9:40
